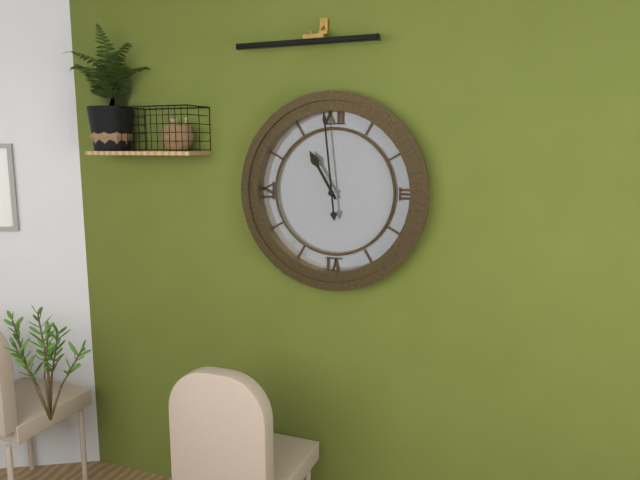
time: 10:59
